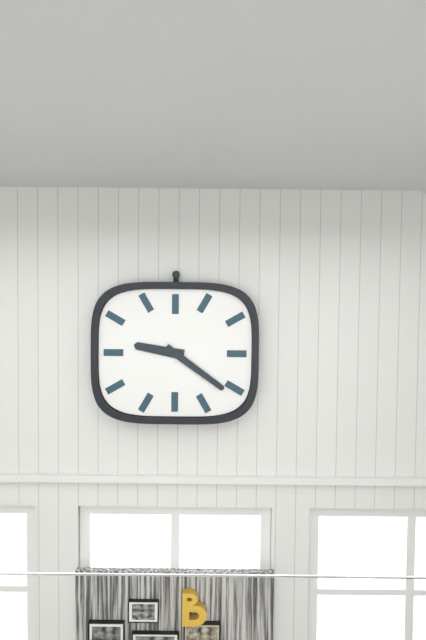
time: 9:21
